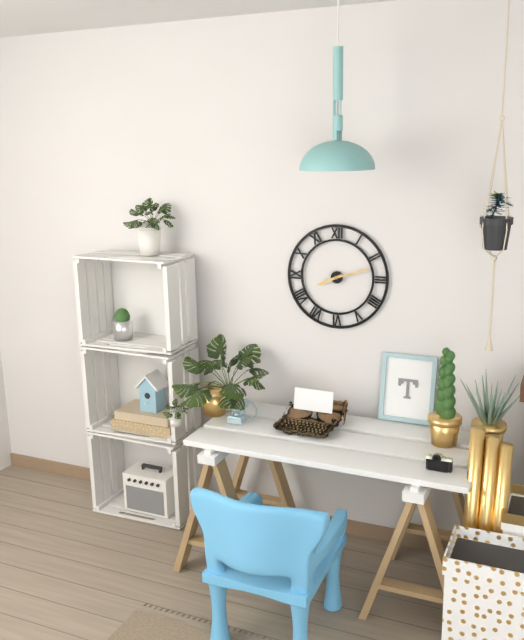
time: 8:12
